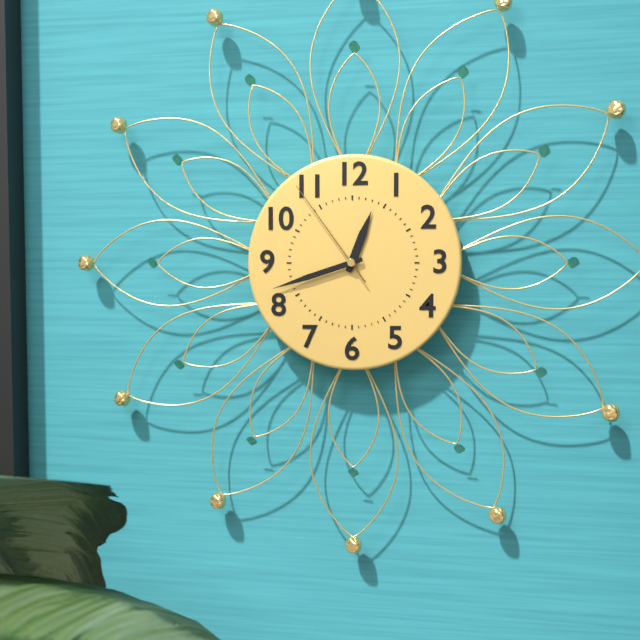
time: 12:42:54
